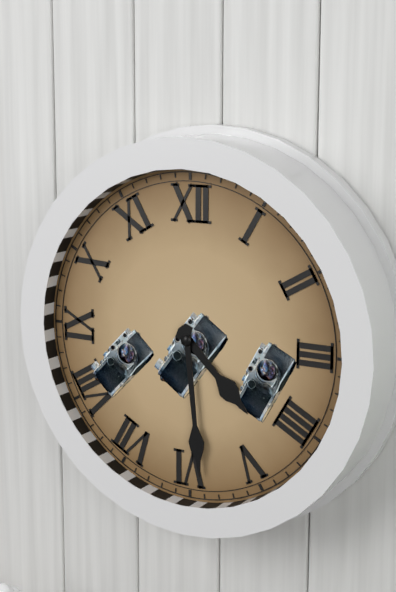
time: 4:29
